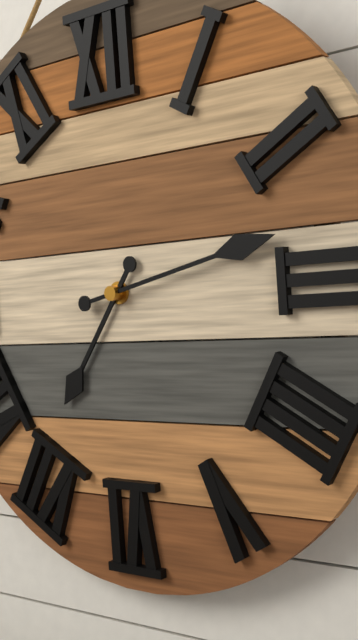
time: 7:13
